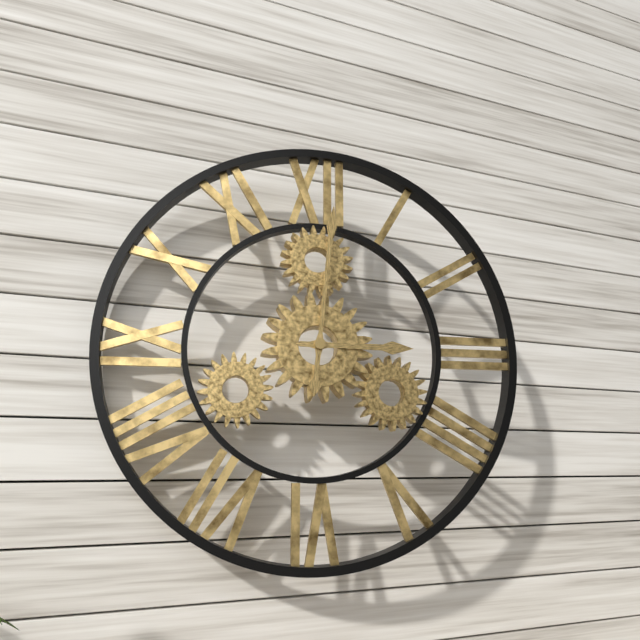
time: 3:01
